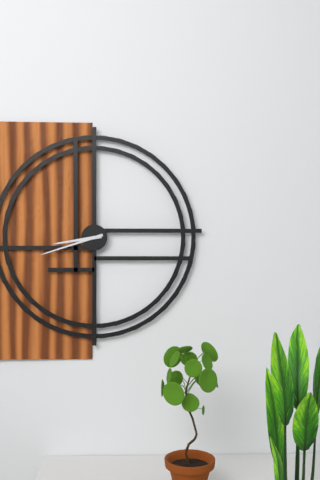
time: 8:42
